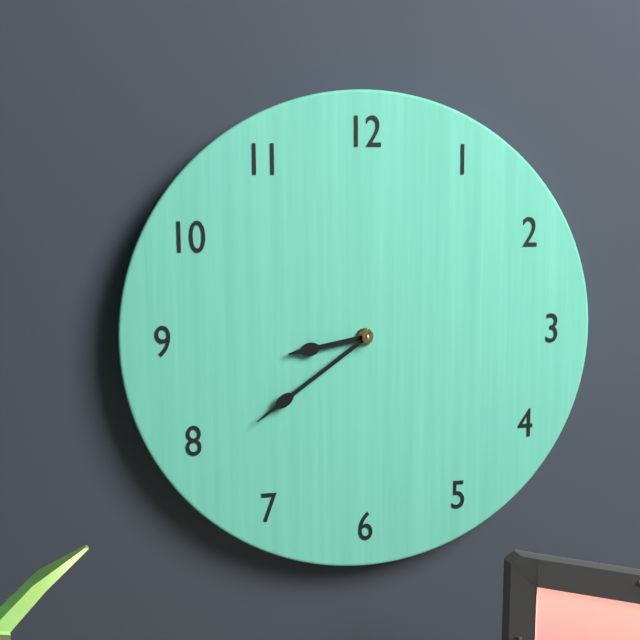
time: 8:39
